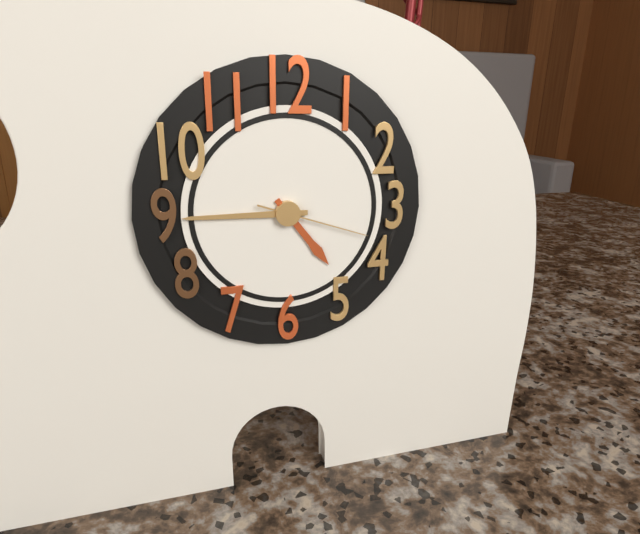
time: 4:45:18
